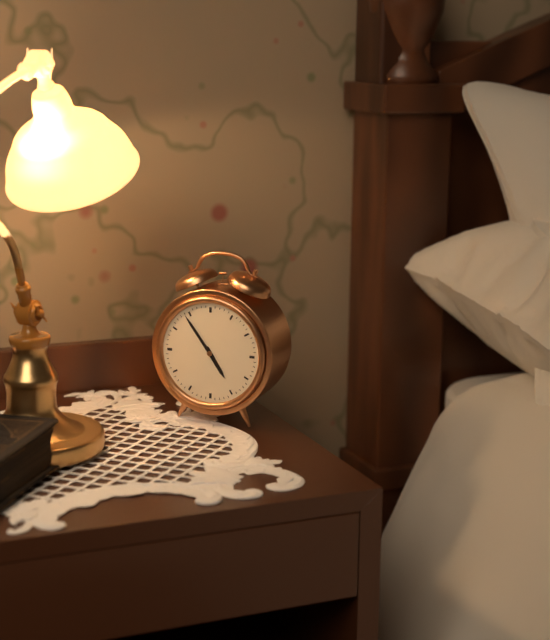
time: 4:54
